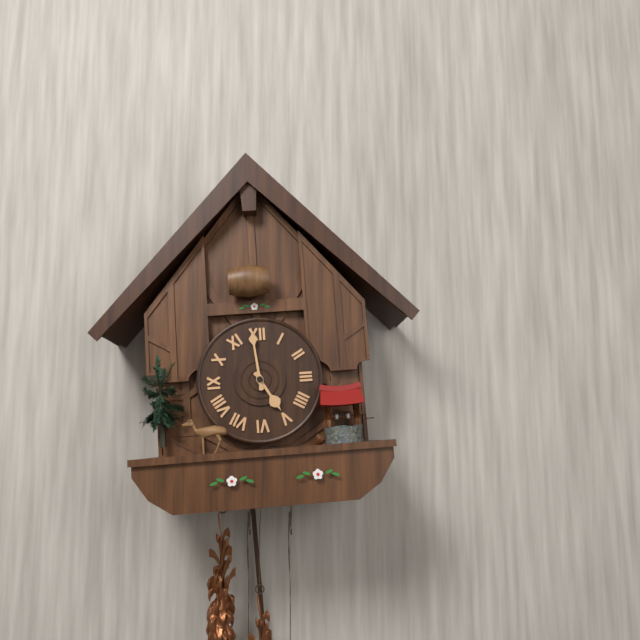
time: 4:59
